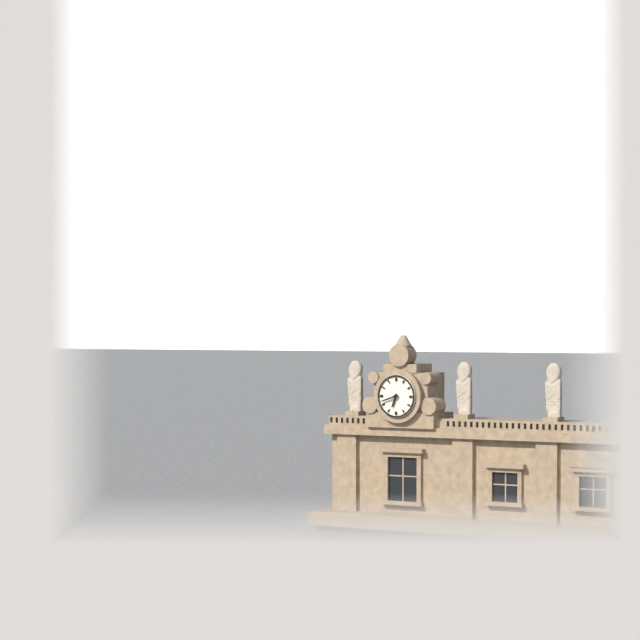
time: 6:42
